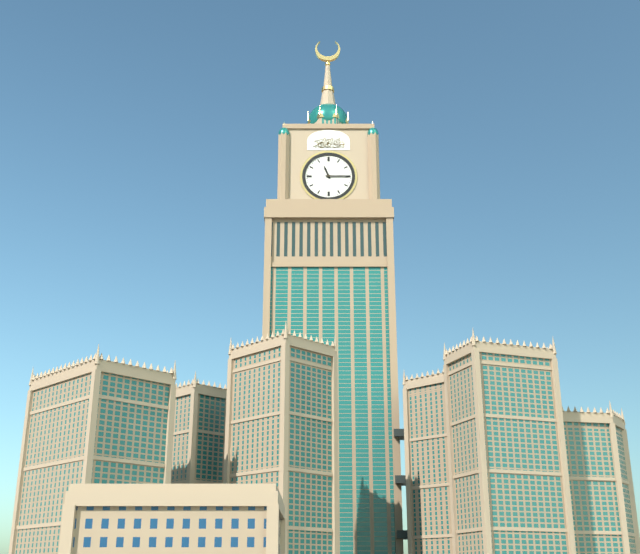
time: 11:15
